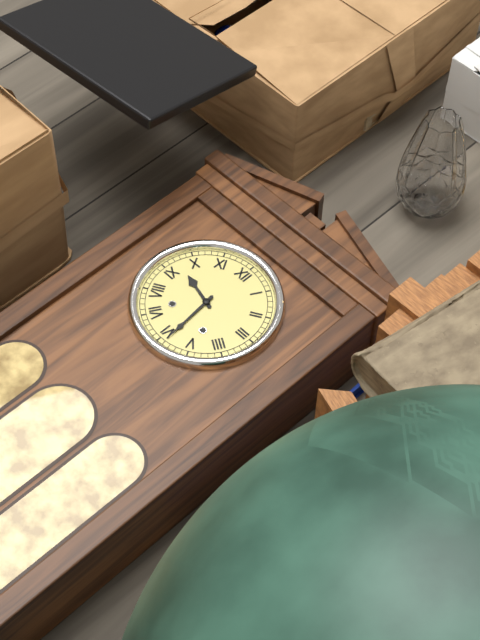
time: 9:29
